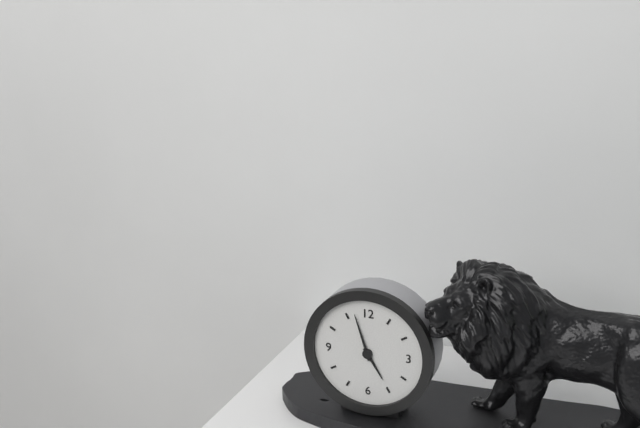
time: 4:57
